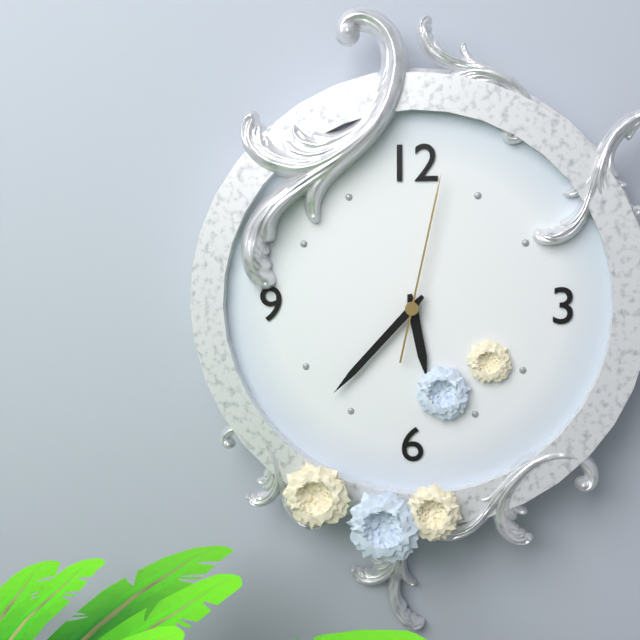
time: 5:37:02
